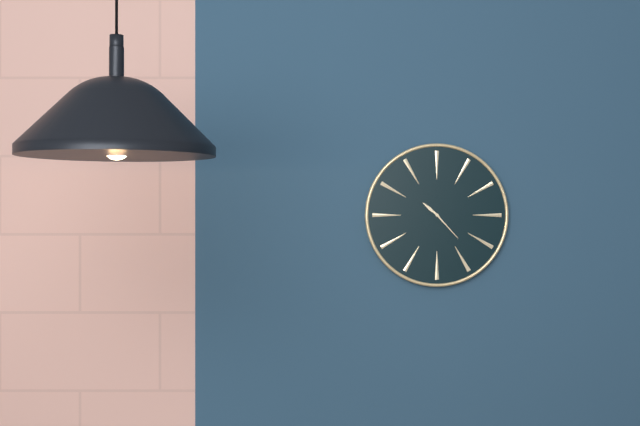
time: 10:23
